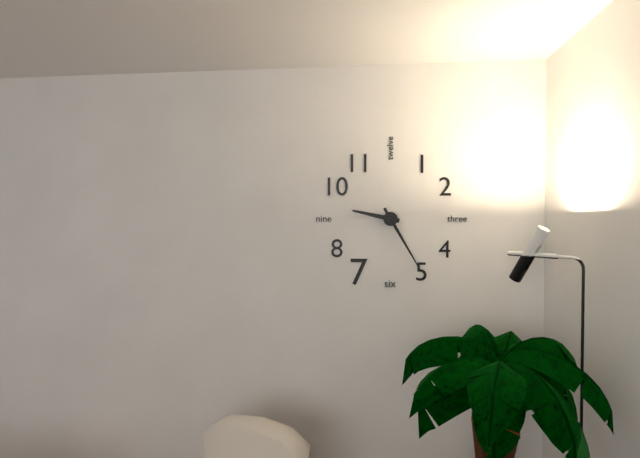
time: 9:25
